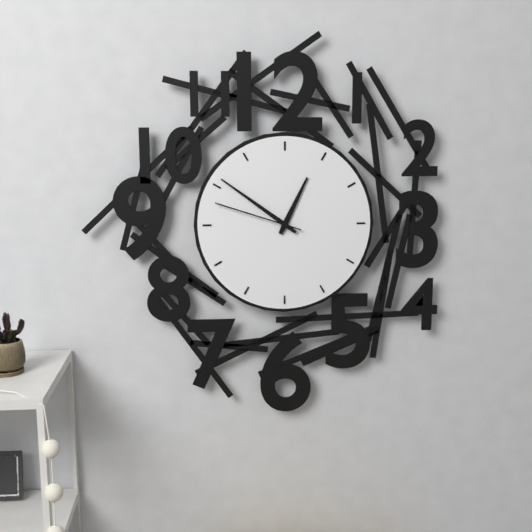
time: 12:51:48
